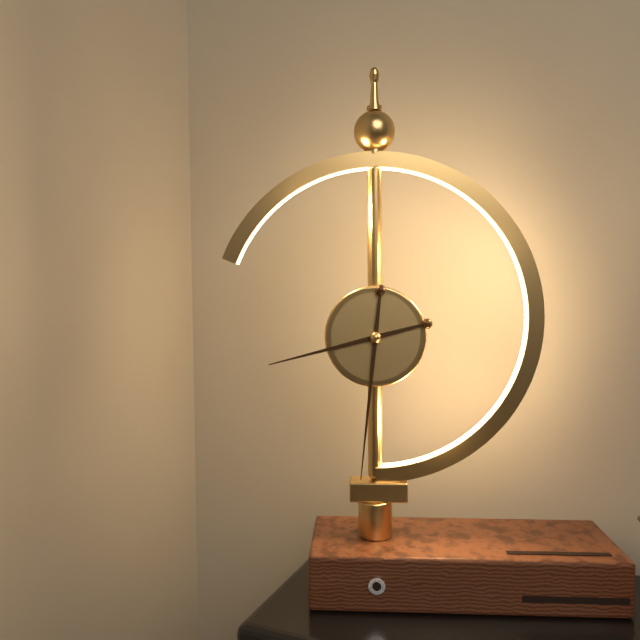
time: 8:31
